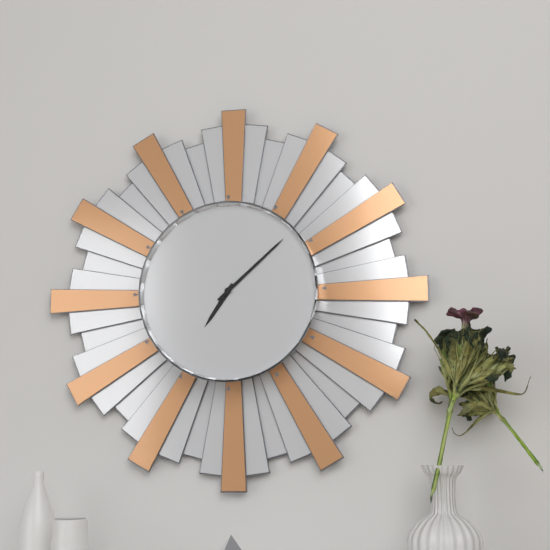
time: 7:08
